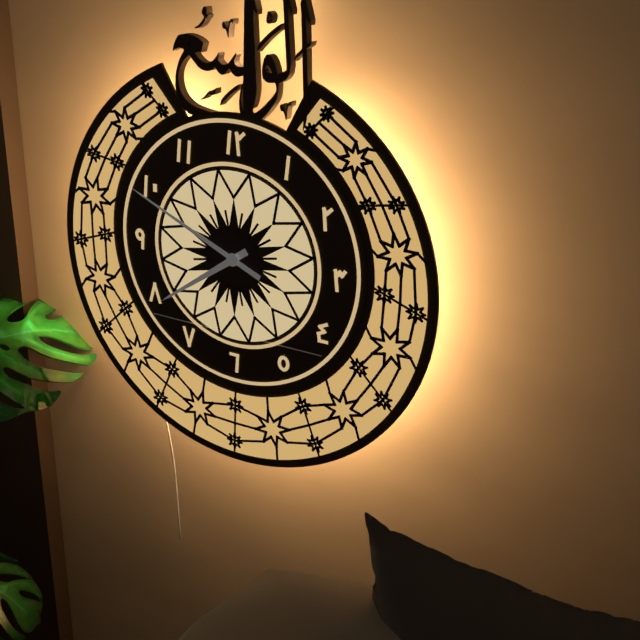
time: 7:49
